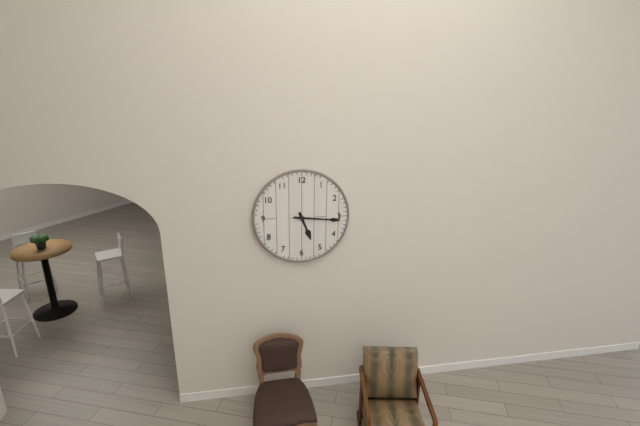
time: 5:16
